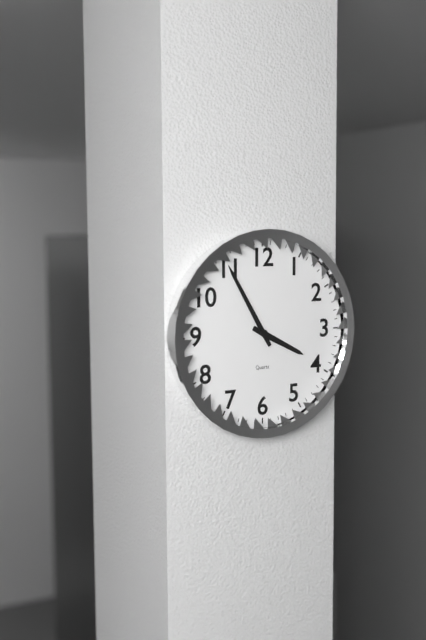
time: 3:55
